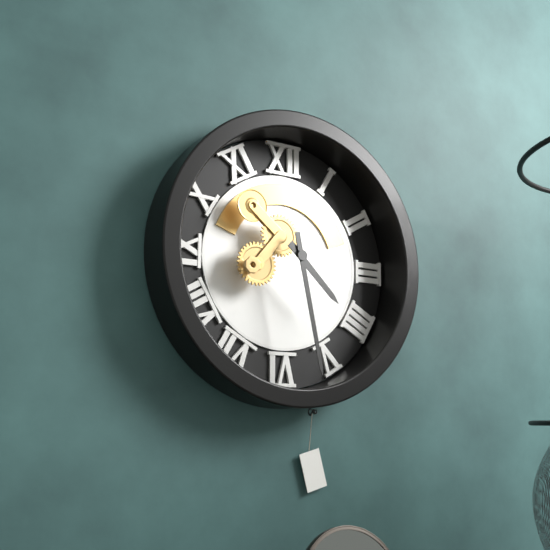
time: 4:28
